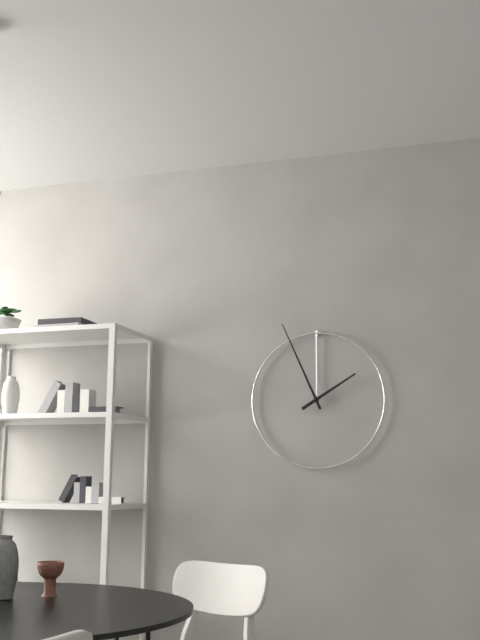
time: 1:56
